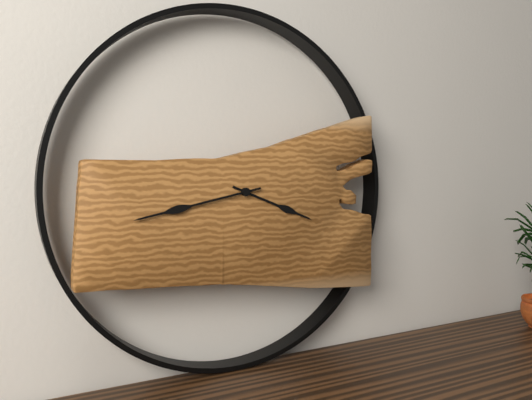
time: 3:43
